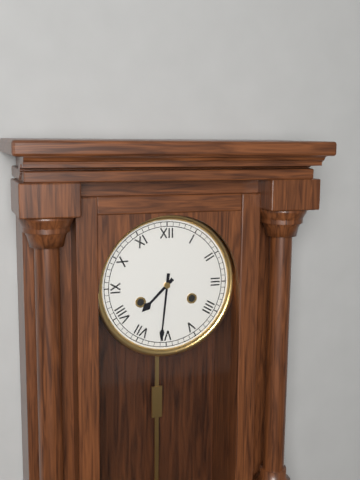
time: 7:31
